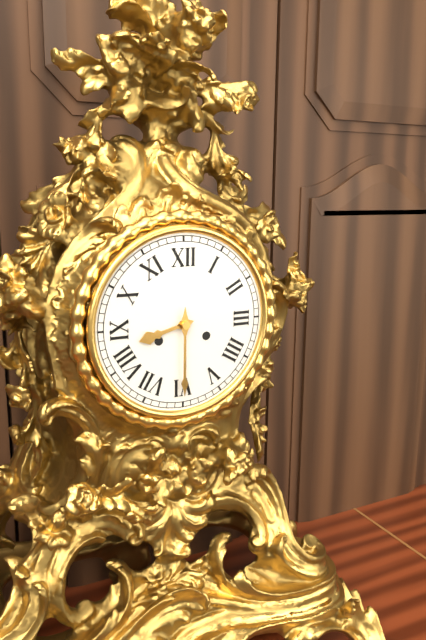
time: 8:30
